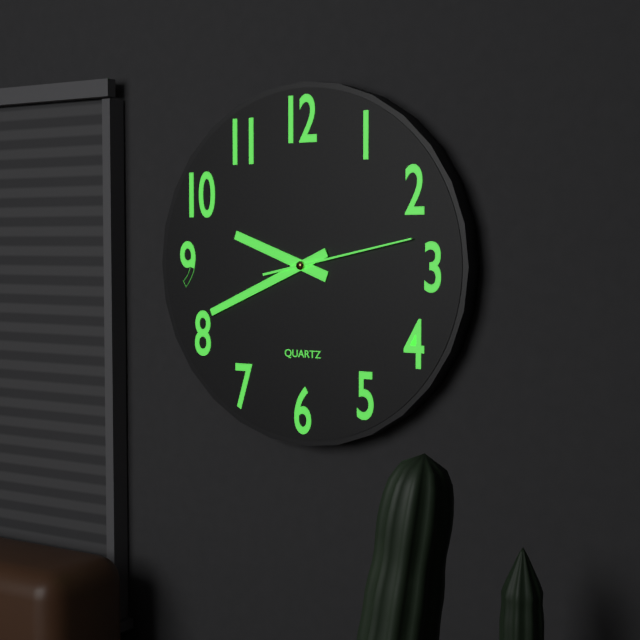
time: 9:41:13
